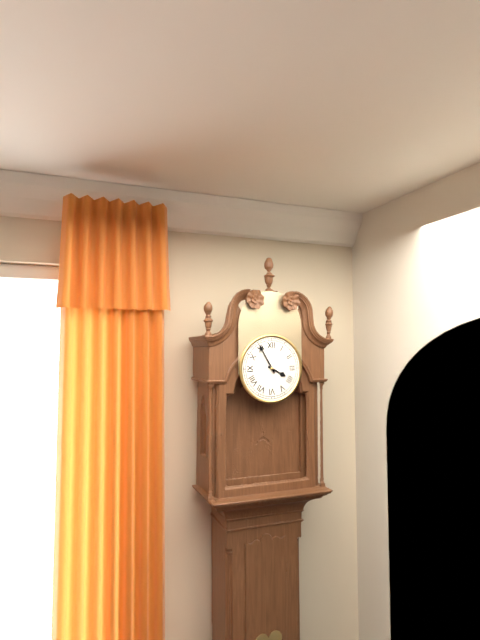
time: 3:55
